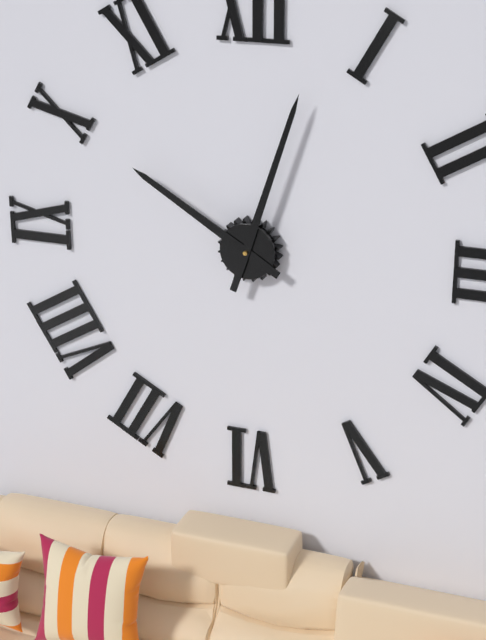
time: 10:03
